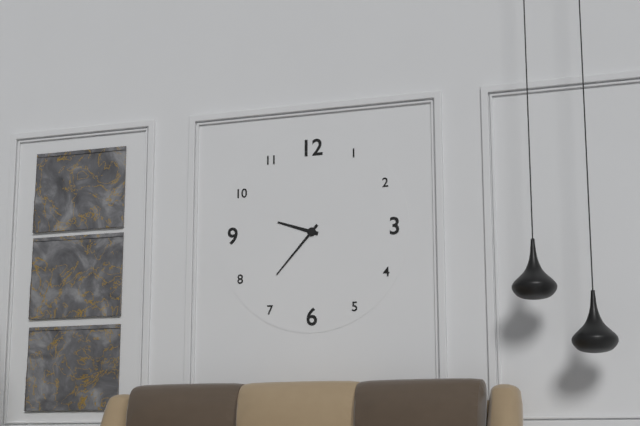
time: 9:37
